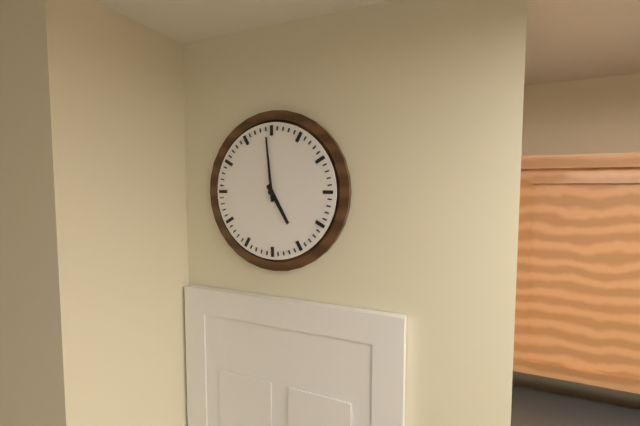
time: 4:59
